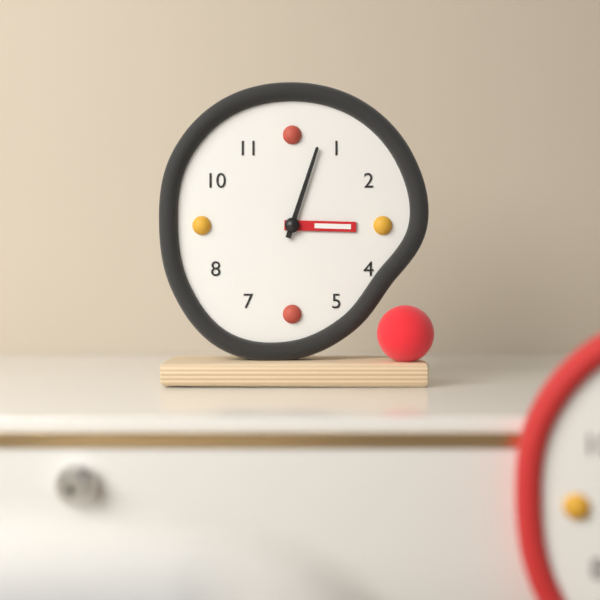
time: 3:03
